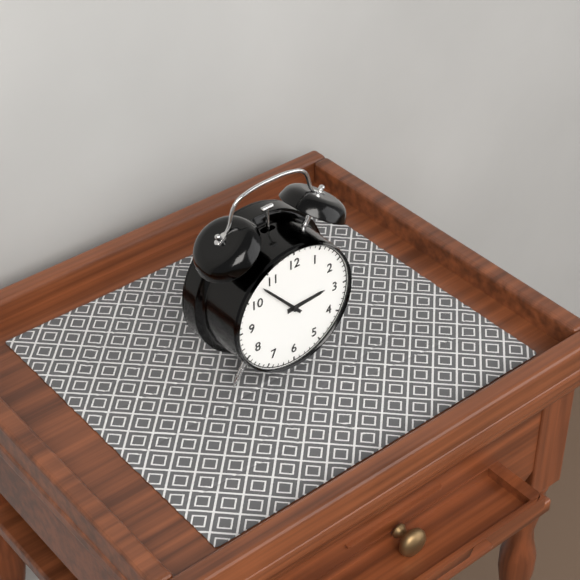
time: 2:53
